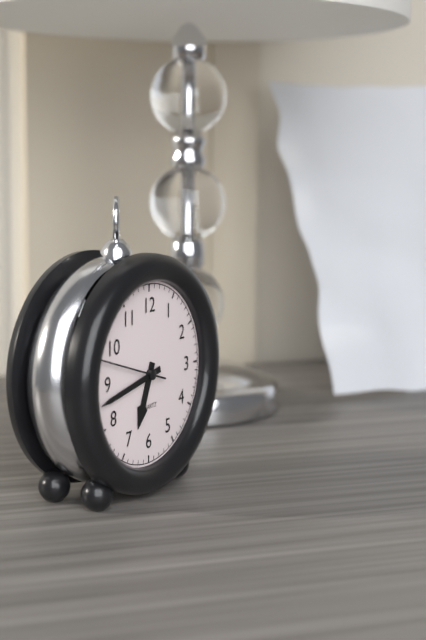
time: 6:43:48
